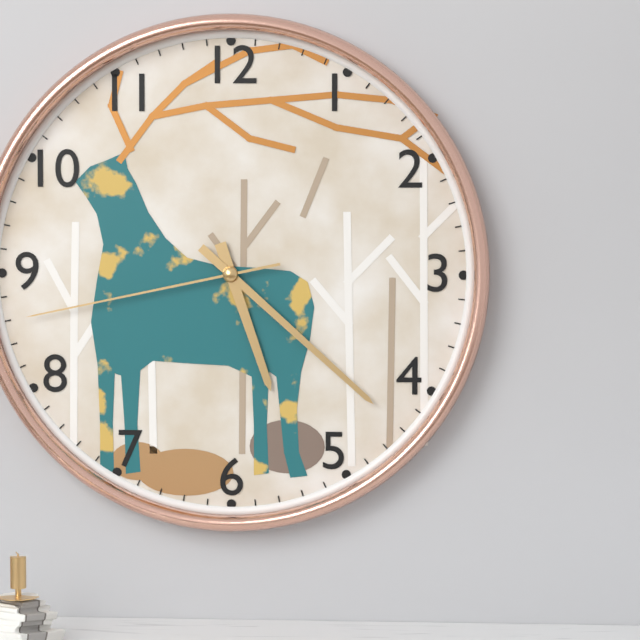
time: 5:22:43
